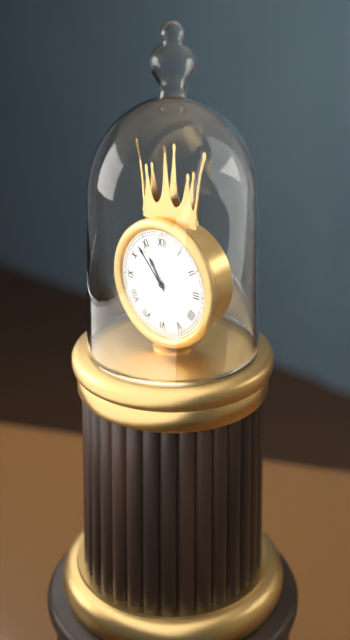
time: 10:53
